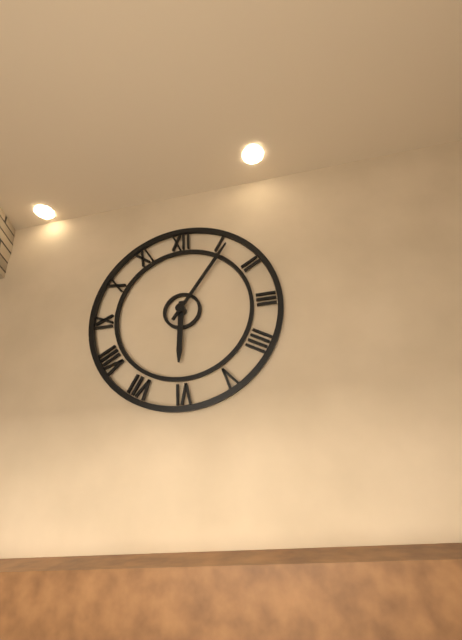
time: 6:06
